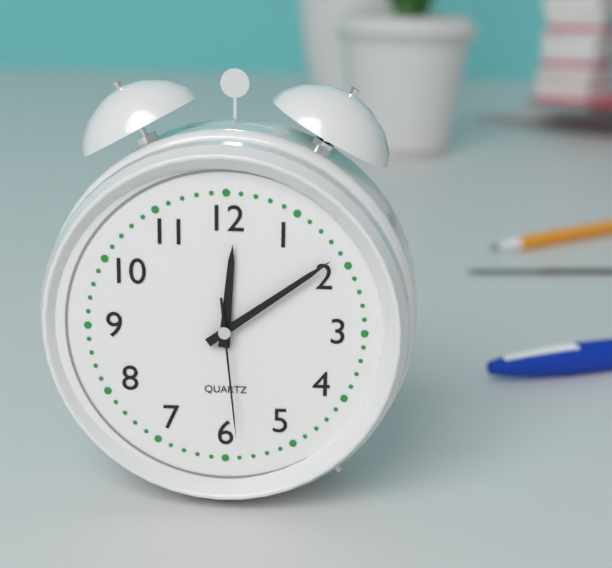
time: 12:09:29
